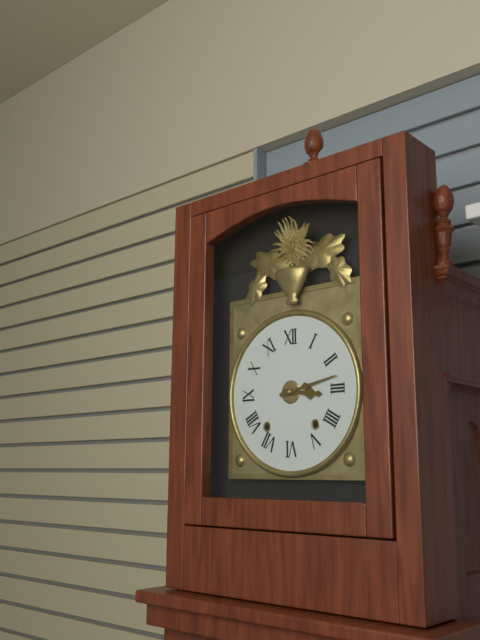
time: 3:13
